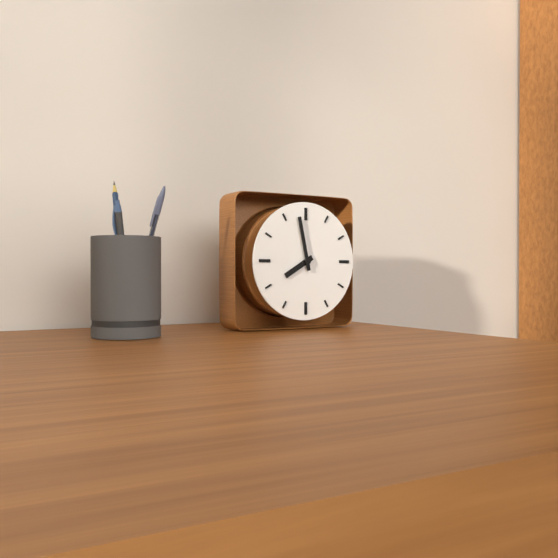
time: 7:58
